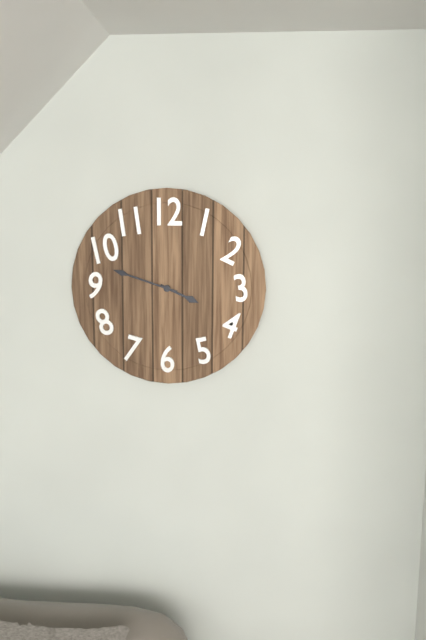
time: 3:48
